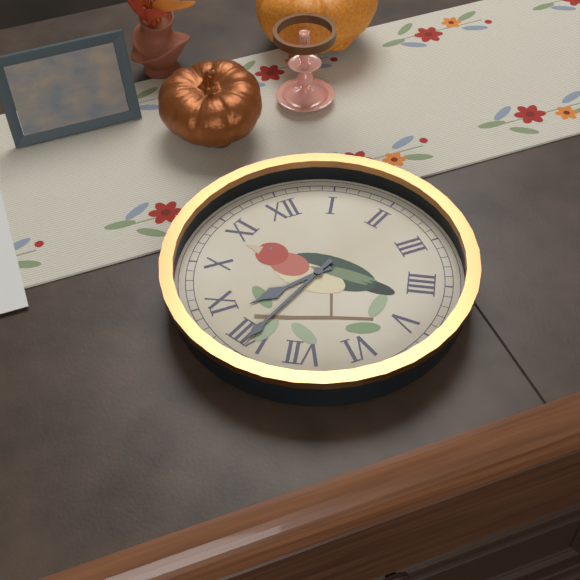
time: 8:40
